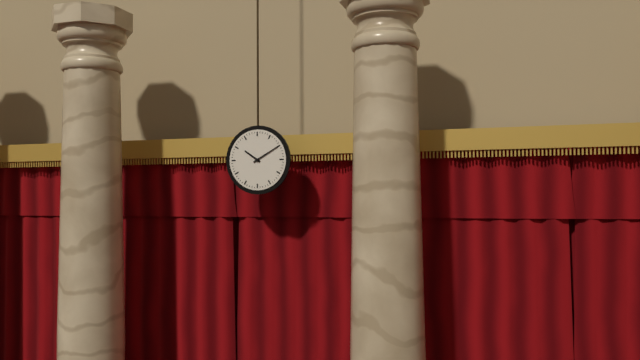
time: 10:10
